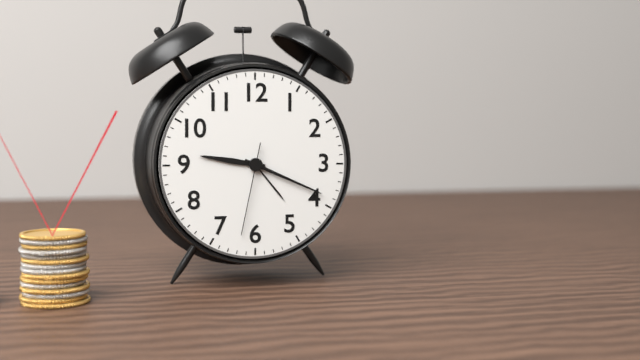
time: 9:19:32
